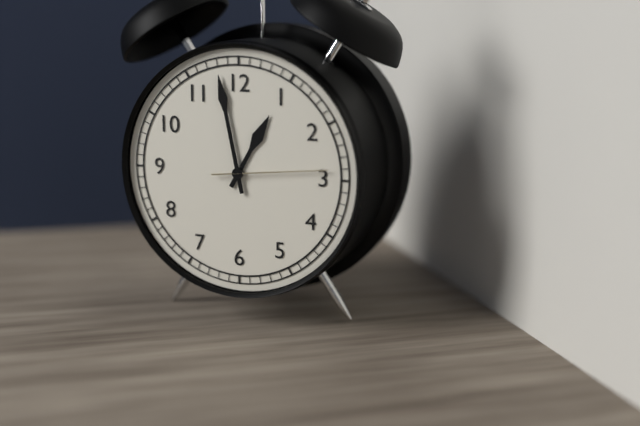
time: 12:58:14
